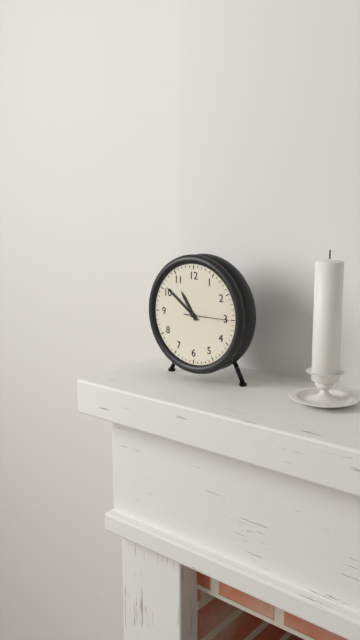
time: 10:51
